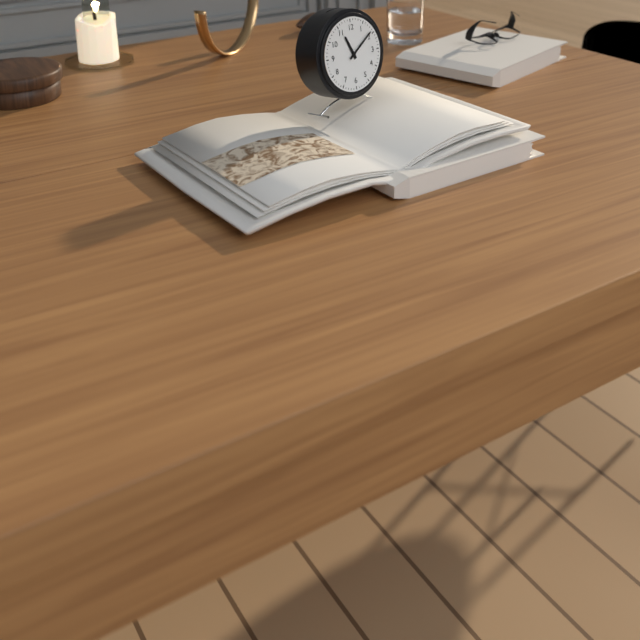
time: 11:09
